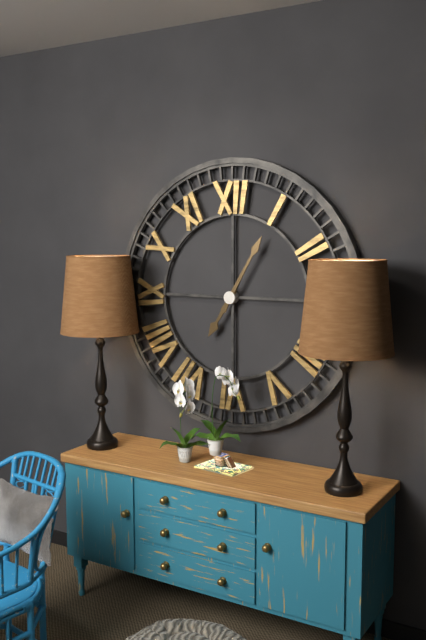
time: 7:05
